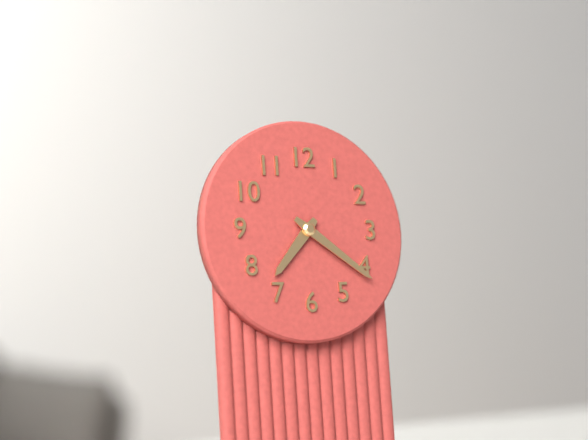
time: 7:21
